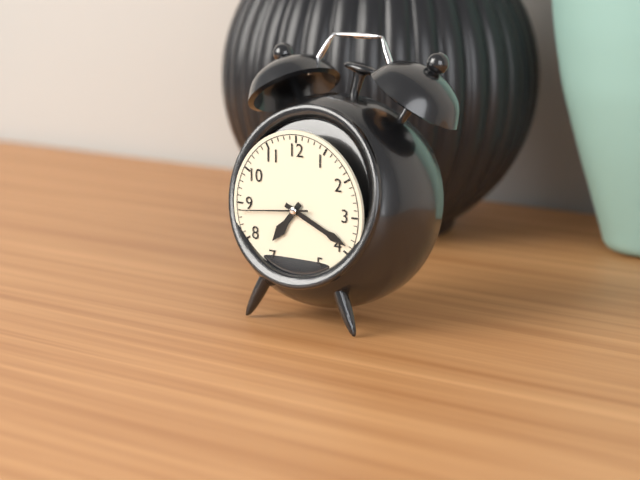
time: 7:19:44
